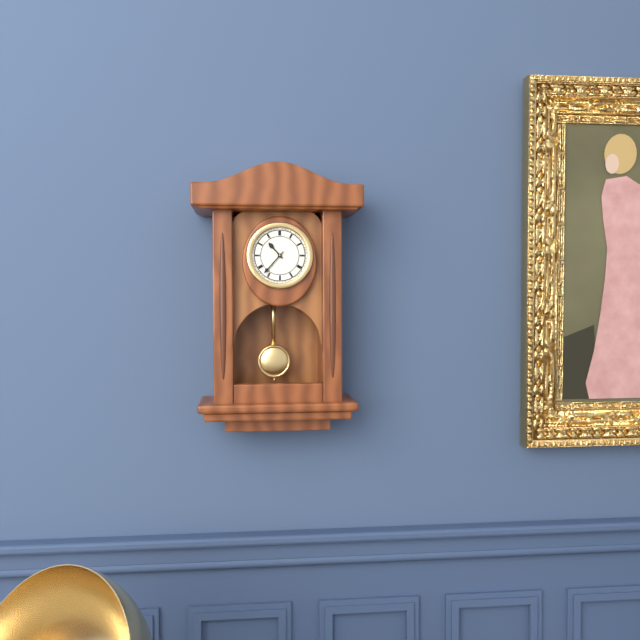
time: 10:37
